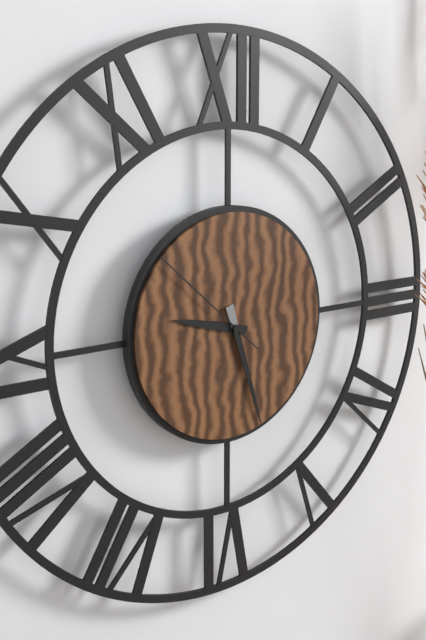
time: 9:27:52
